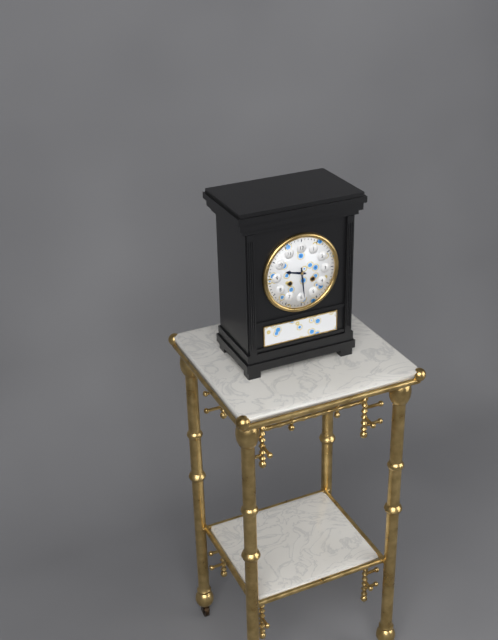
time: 9:29
